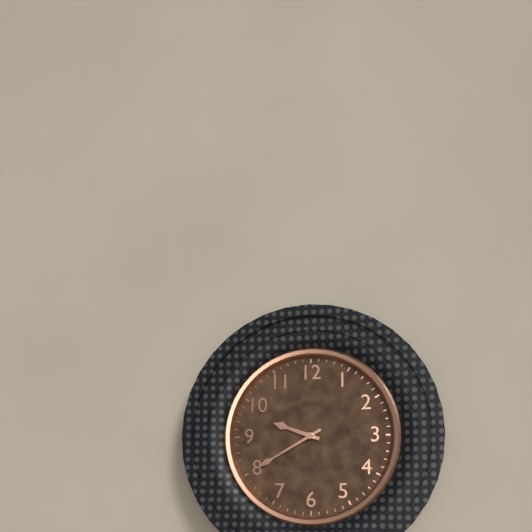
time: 9:40
